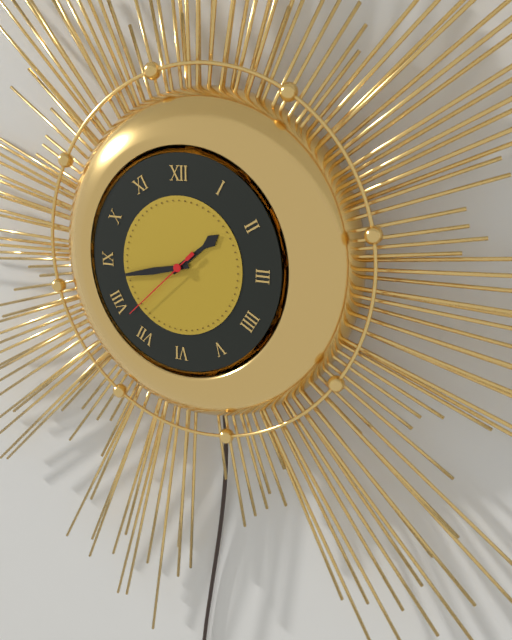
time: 1:43:38
